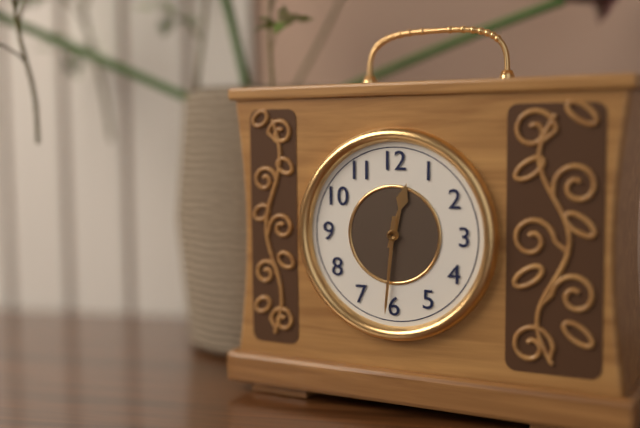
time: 12:31
